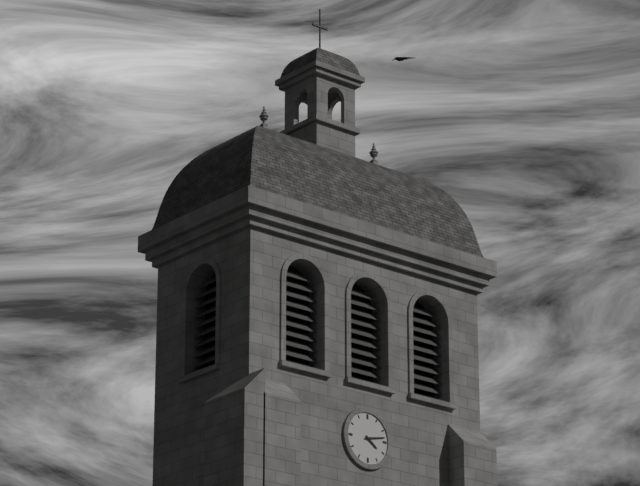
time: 4:13
